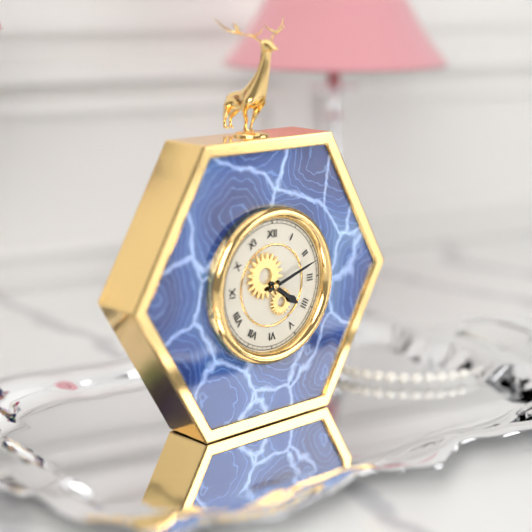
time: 4:12
